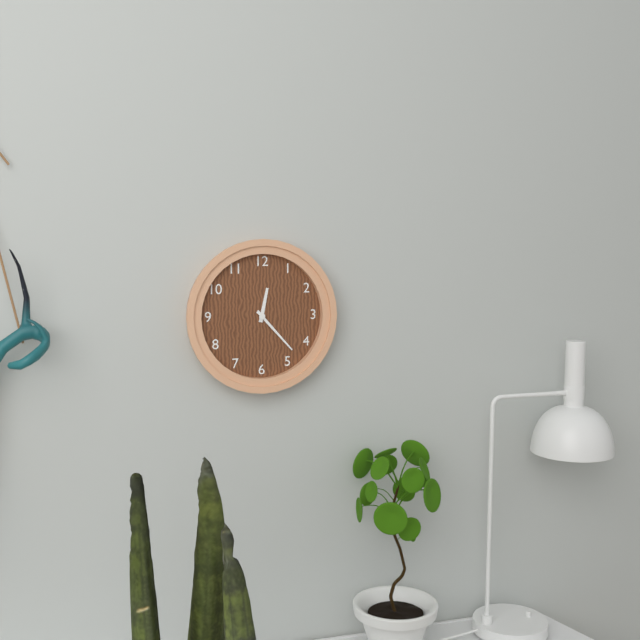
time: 12:23
